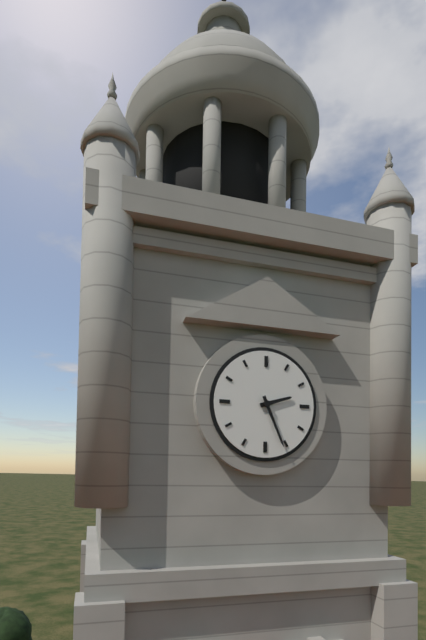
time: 2:26
